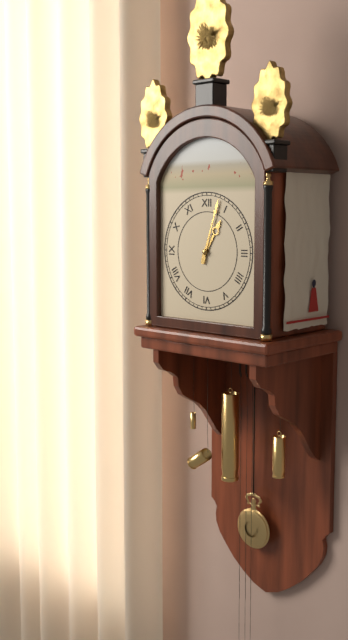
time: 1:03
